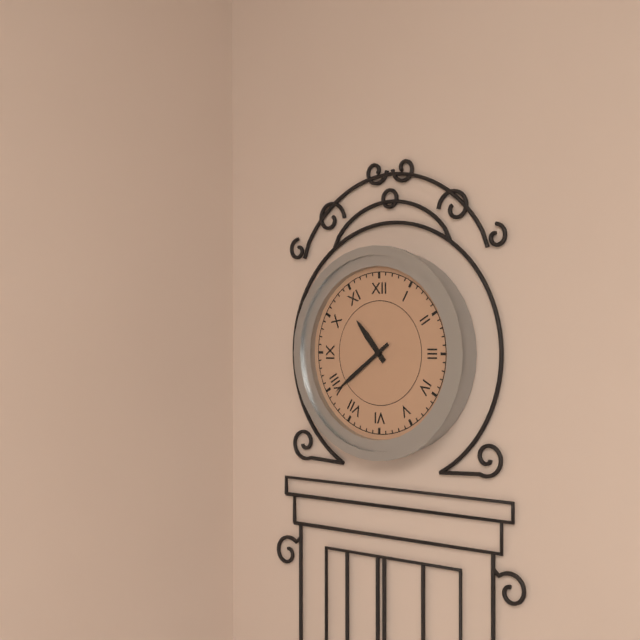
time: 10:39
